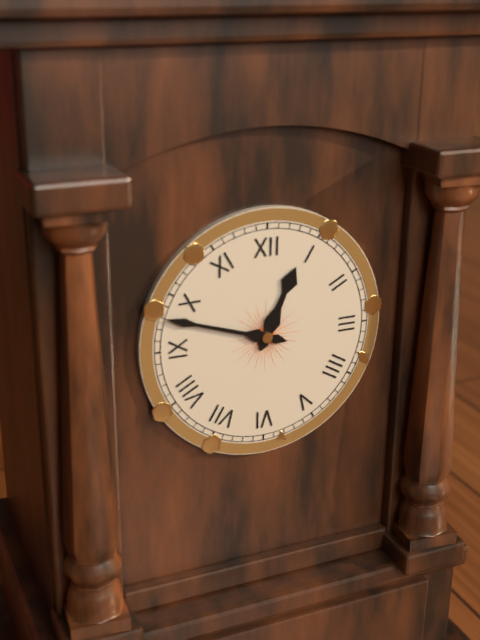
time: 12:48
